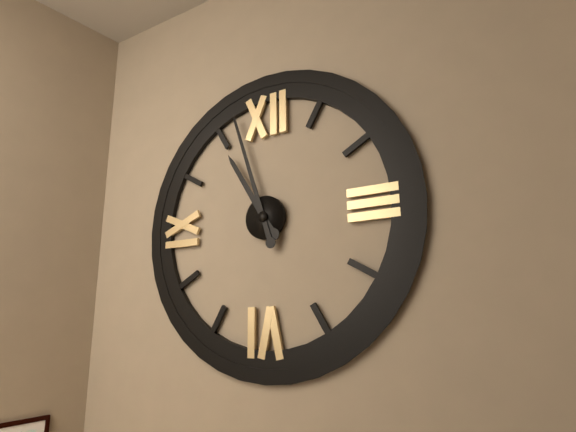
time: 10:57
